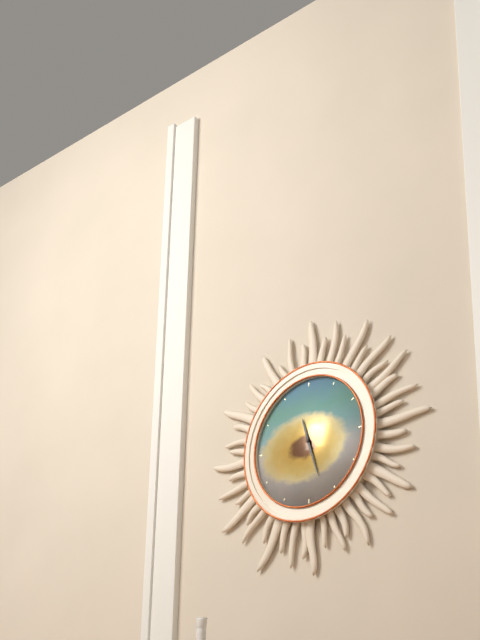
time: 11:27
